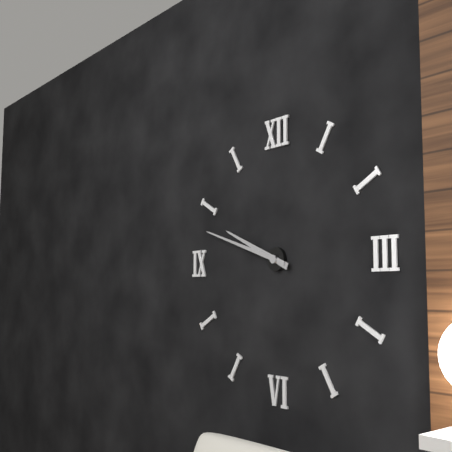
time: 9:48
